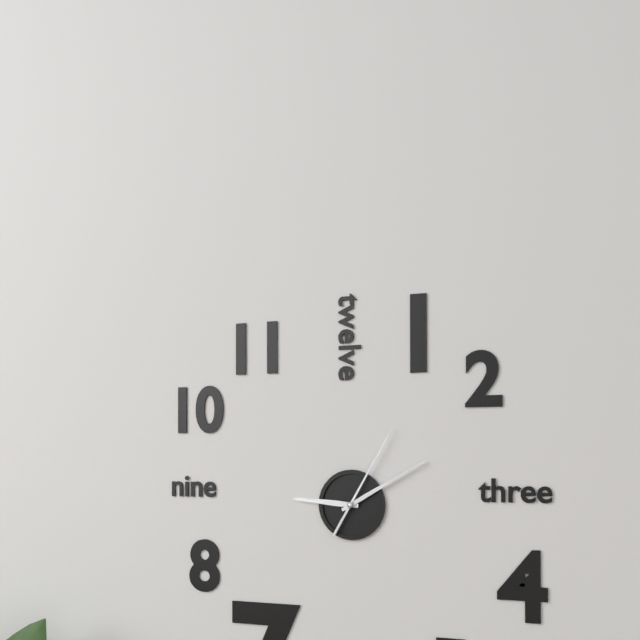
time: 9:10:05
